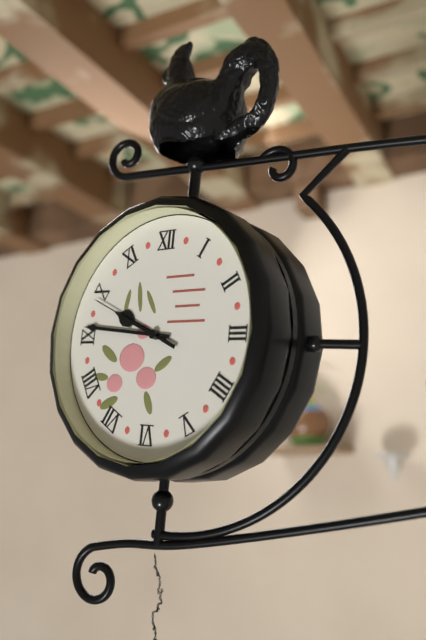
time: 9:46:49
